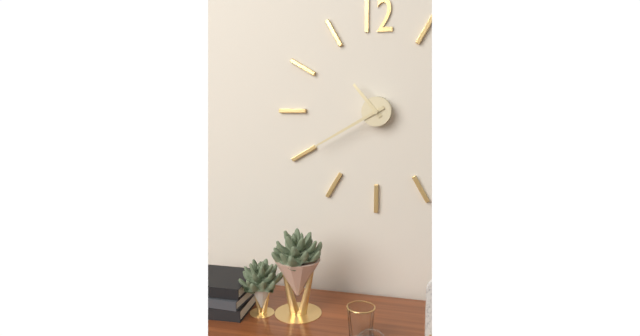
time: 10:40
